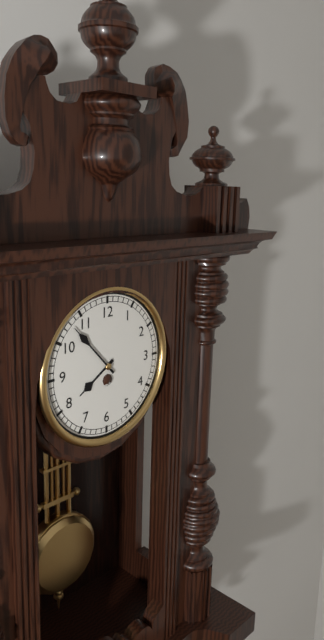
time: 7:53
